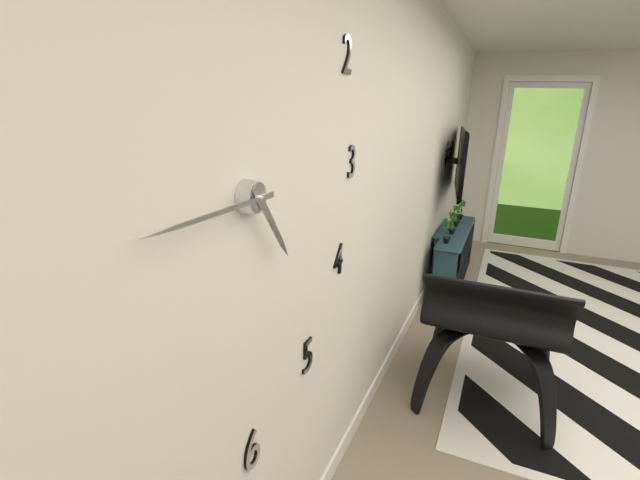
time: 4:45
